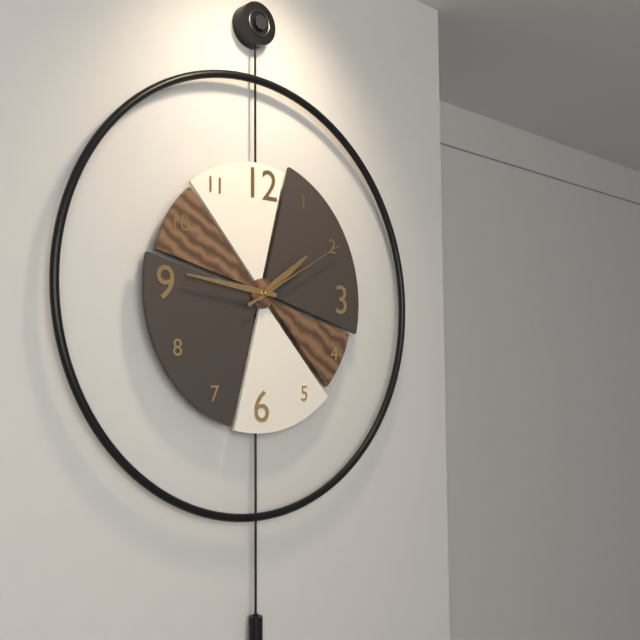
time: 1:46:10
